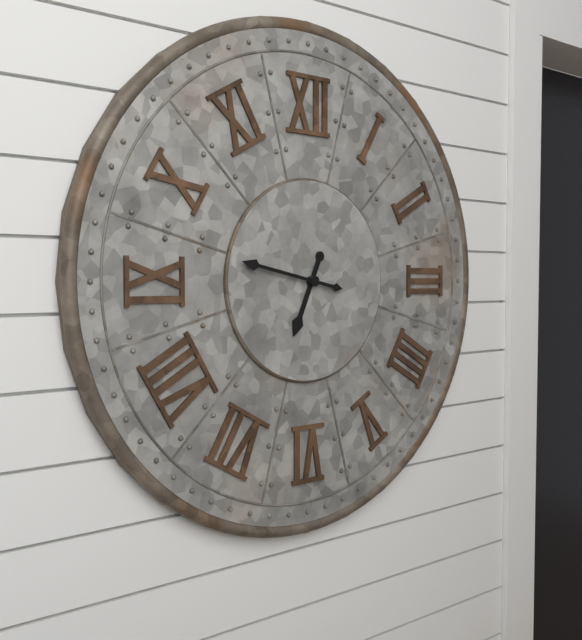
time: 6:47
